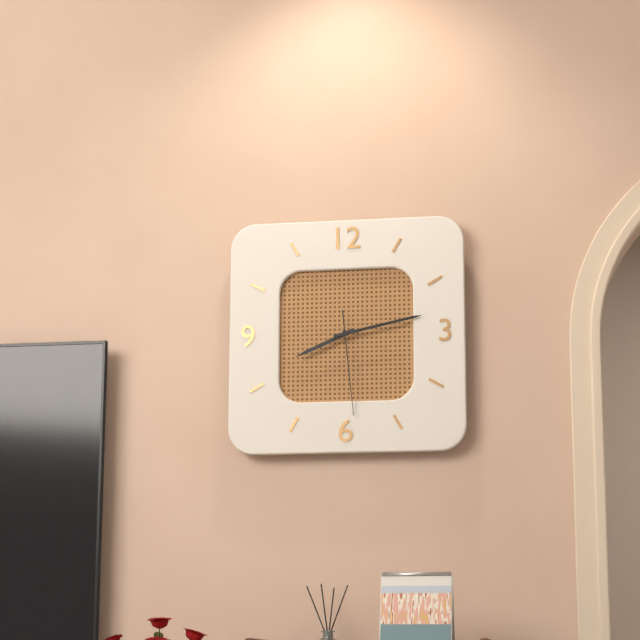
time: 8:13:29
